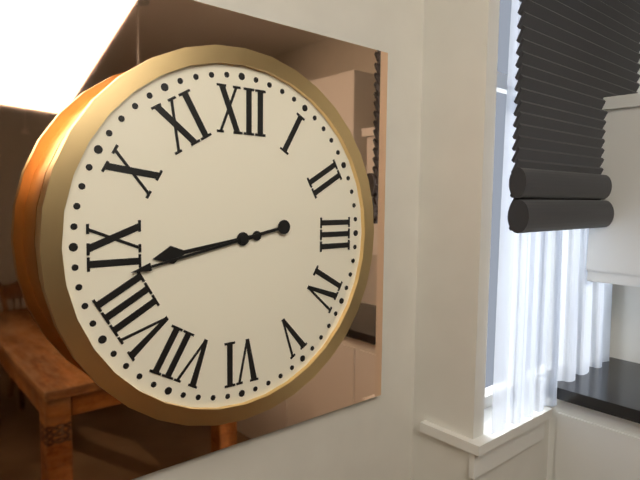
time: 8:43
